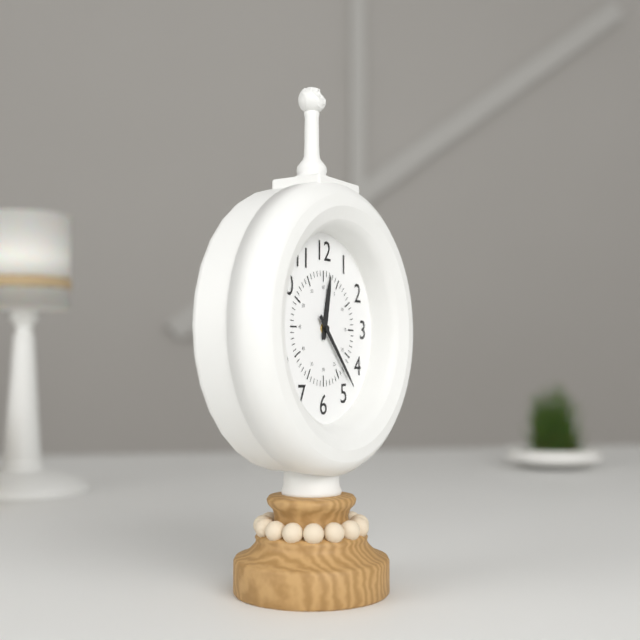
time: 12:23
